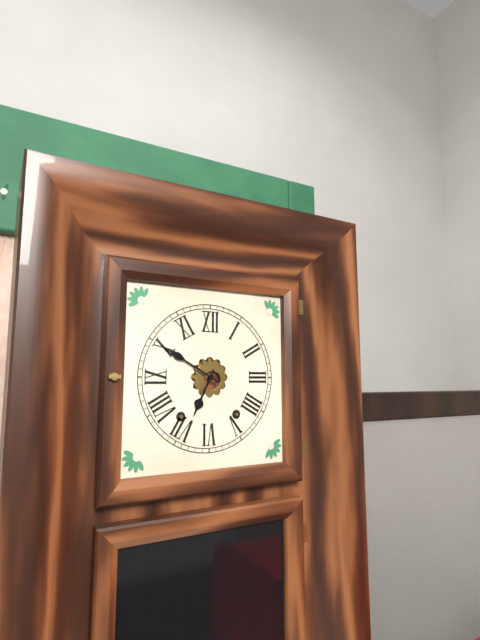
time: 6:50
